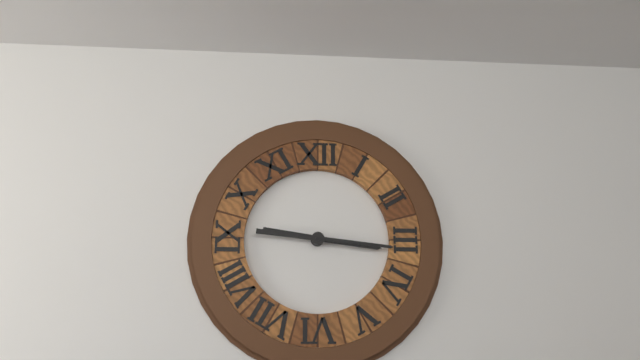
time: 3:16
